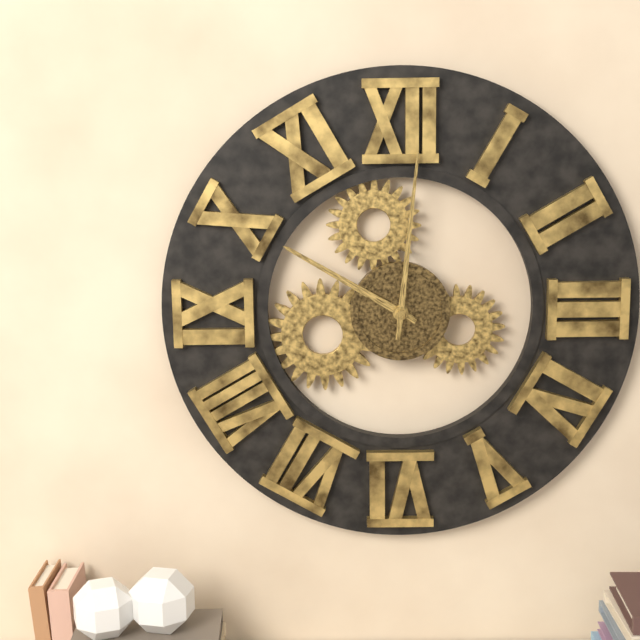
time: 10:01
